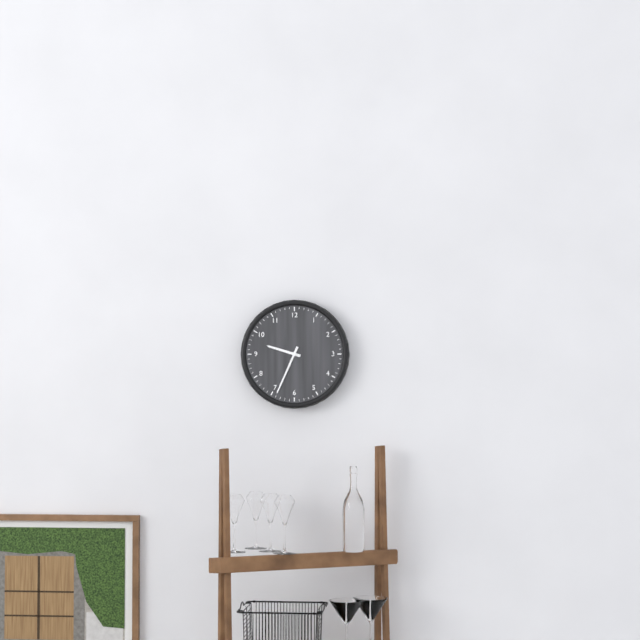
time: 9:34
